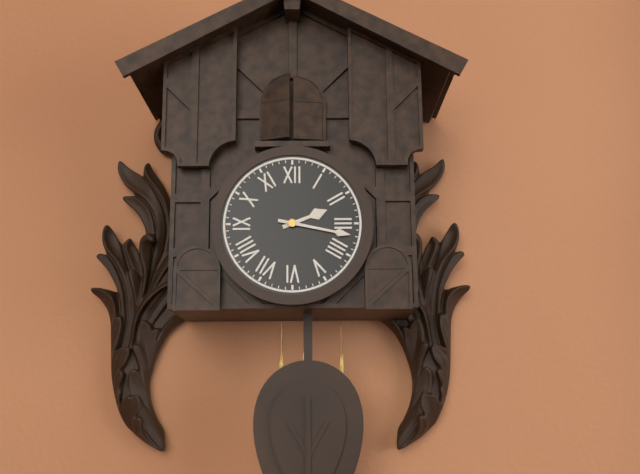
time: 2:17
